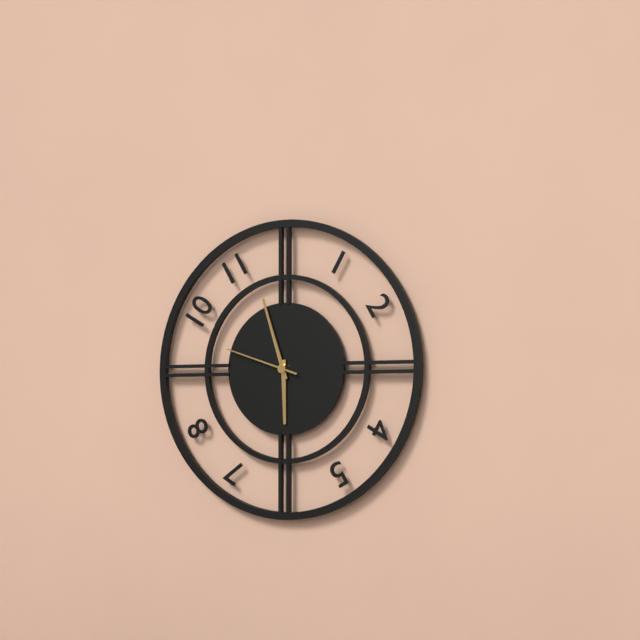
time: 5:57:48
